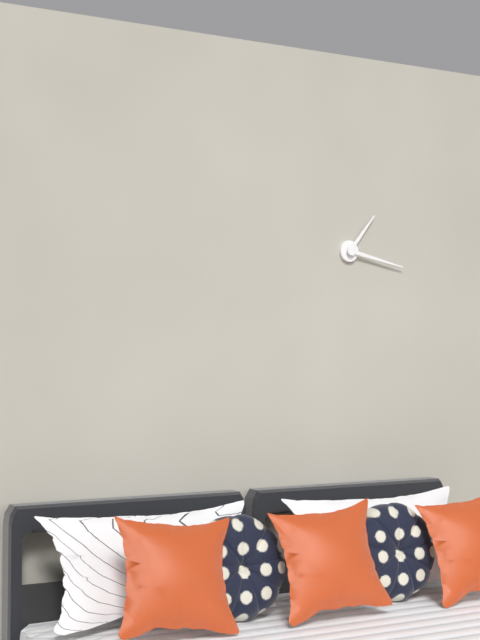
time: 1:17
